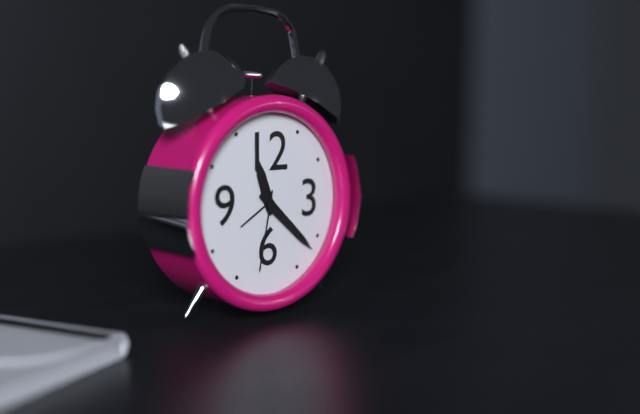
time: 11:22:32
